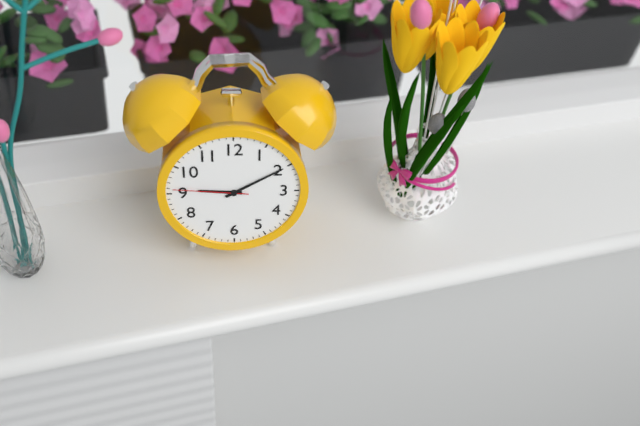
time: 9:10:46
